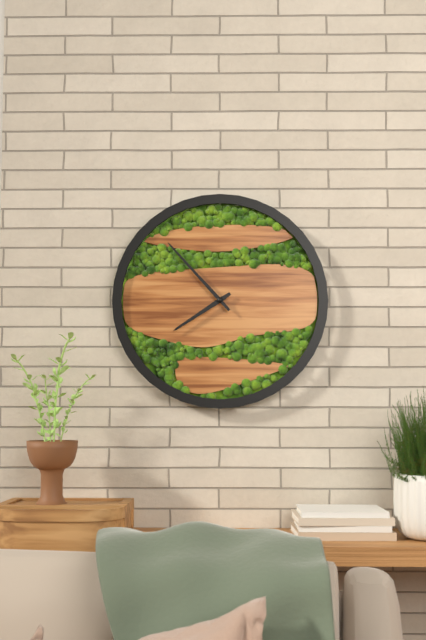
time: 7:53
